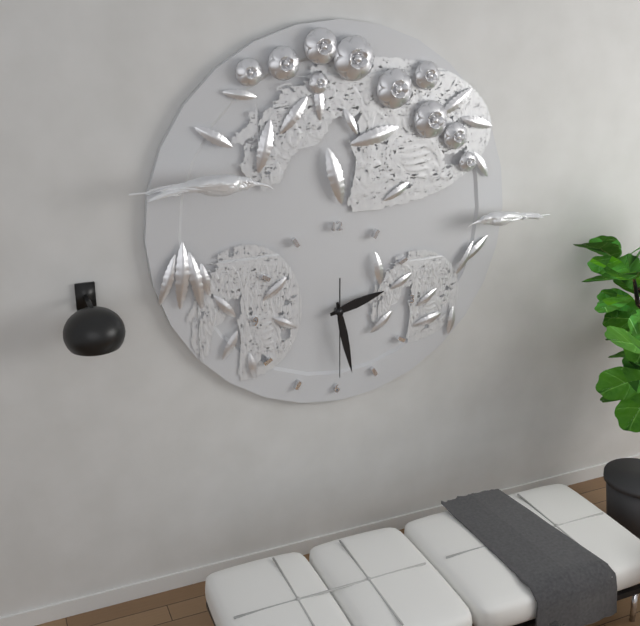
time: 2:28:30
